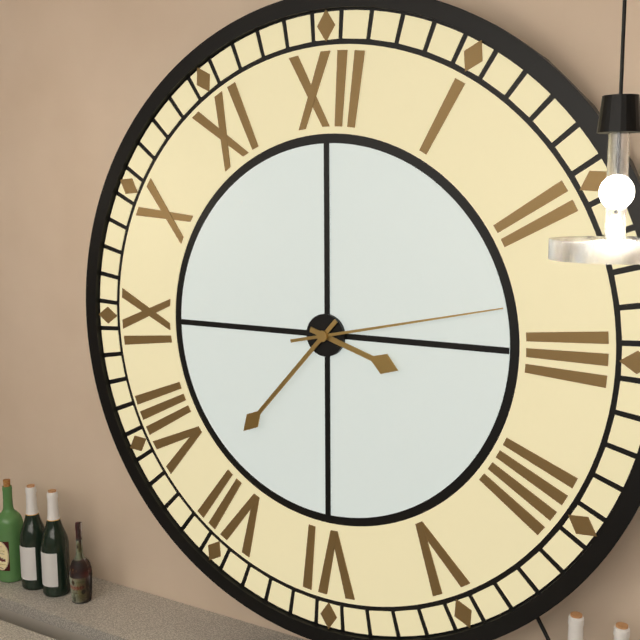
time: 3:37:13
